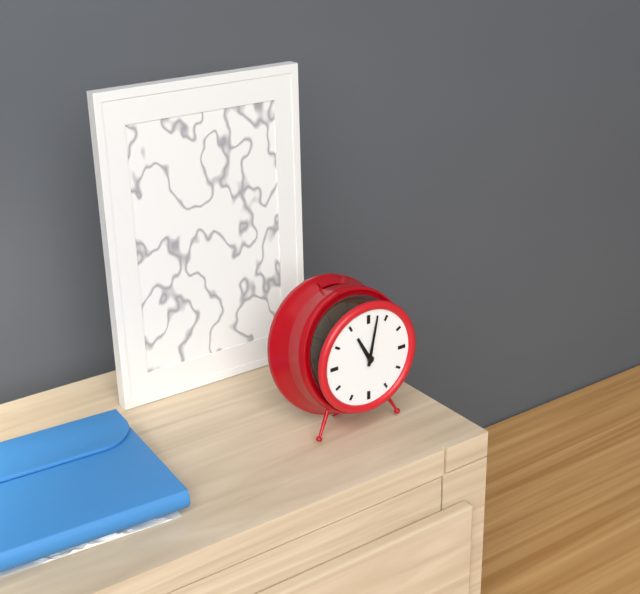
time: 11:02
